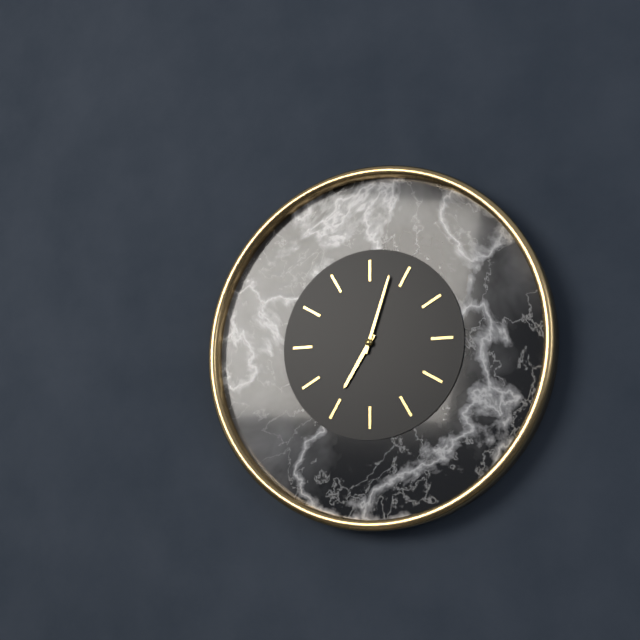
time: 7:03
